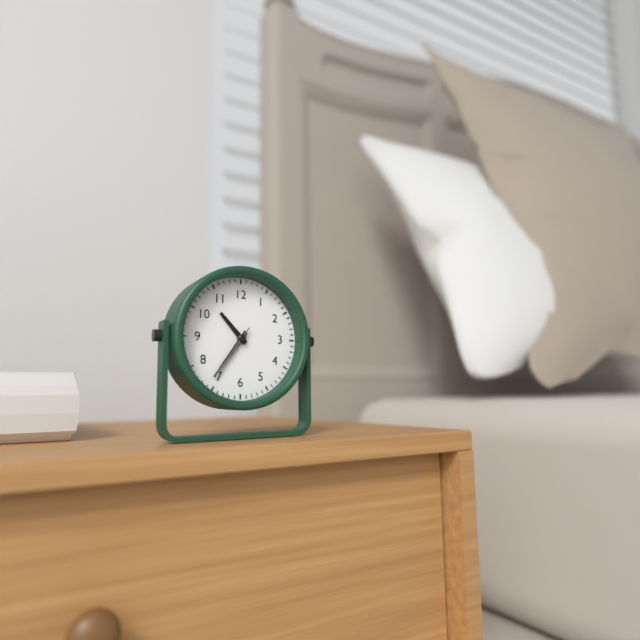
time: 10:36:36
